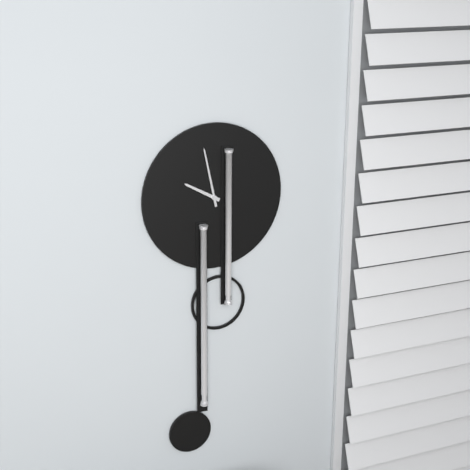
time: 9:58
